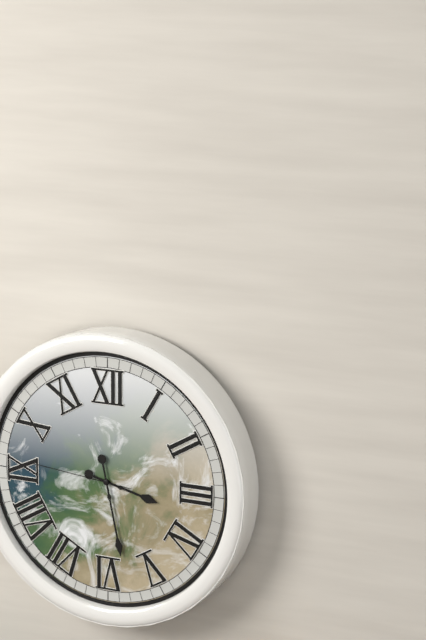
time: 3:28:46
